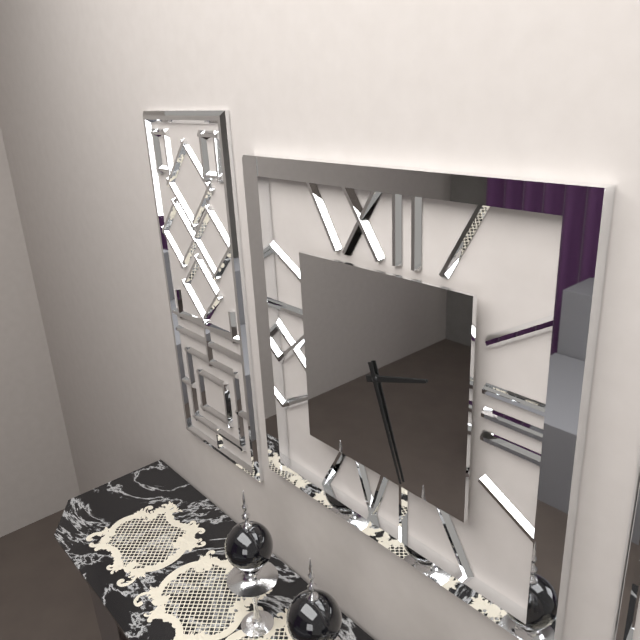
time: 2:27
